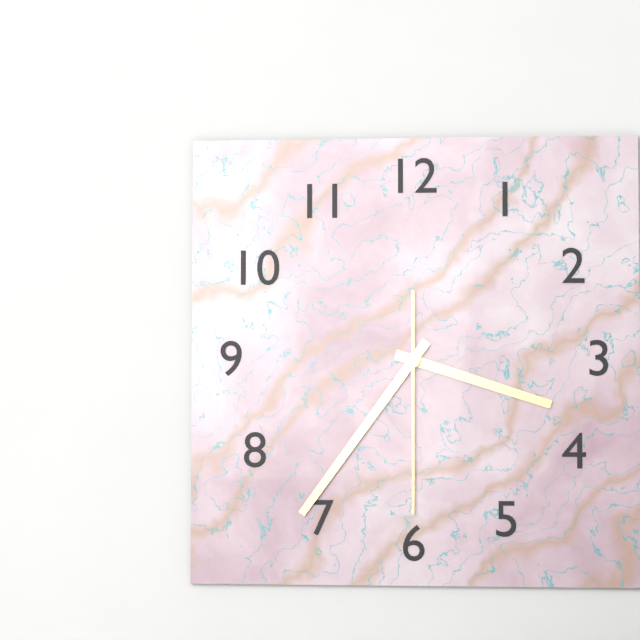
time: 3:36:30
